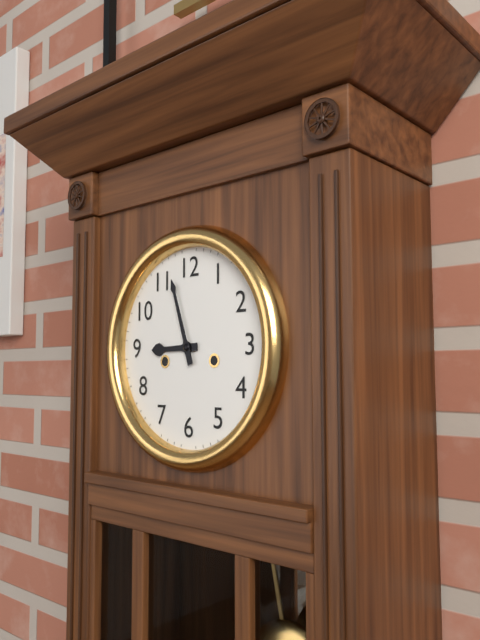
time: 8:57
